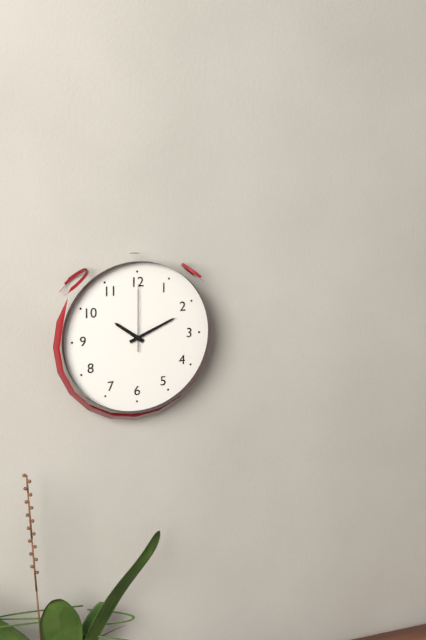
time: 10:11:00
